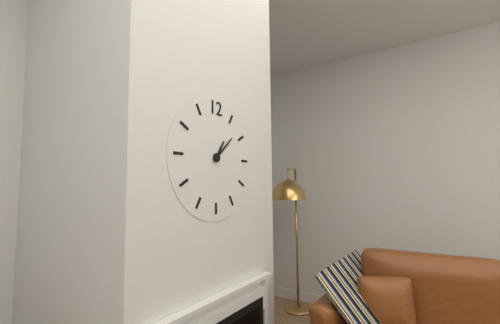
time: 1:08
